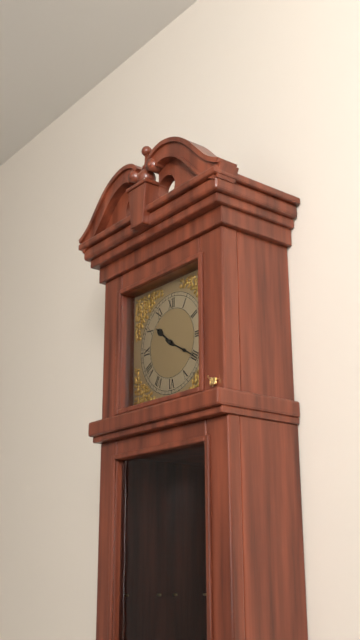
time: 10:20
